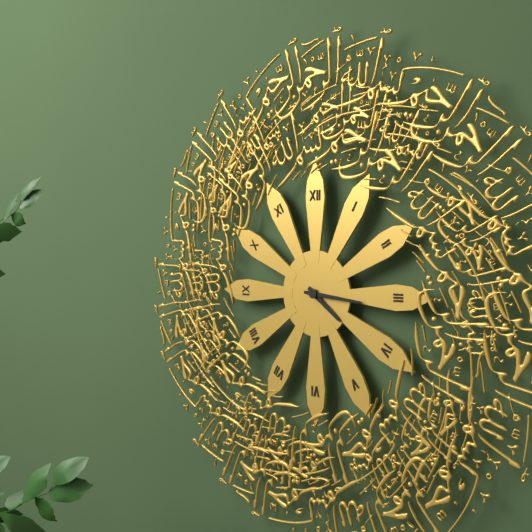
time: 4:16
